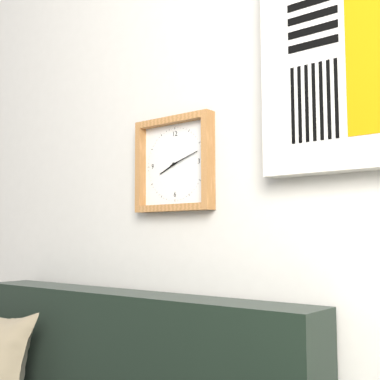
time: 8:12
